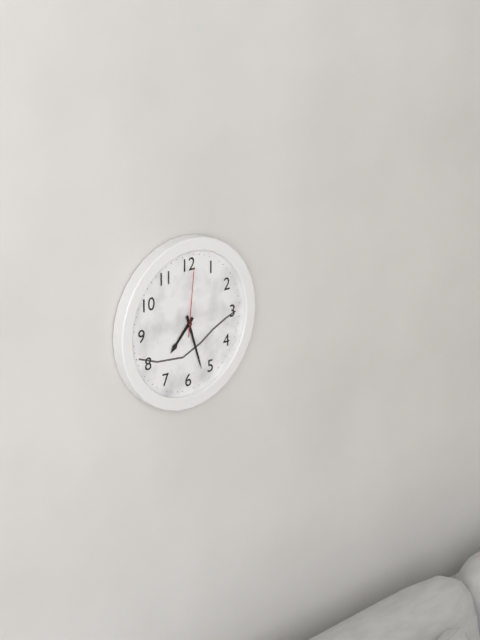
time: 7:27:01
